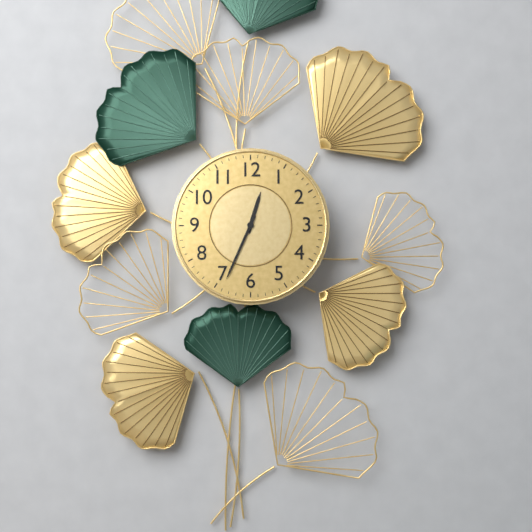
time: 12:34
